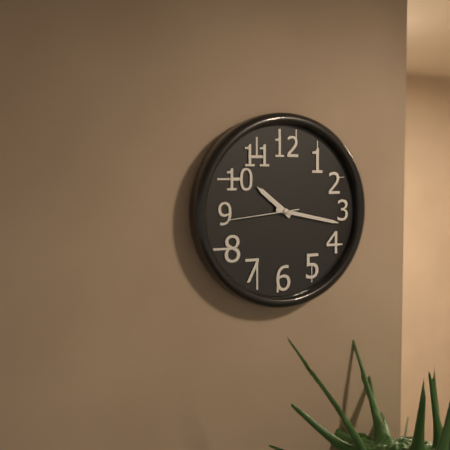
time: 10:17:44
